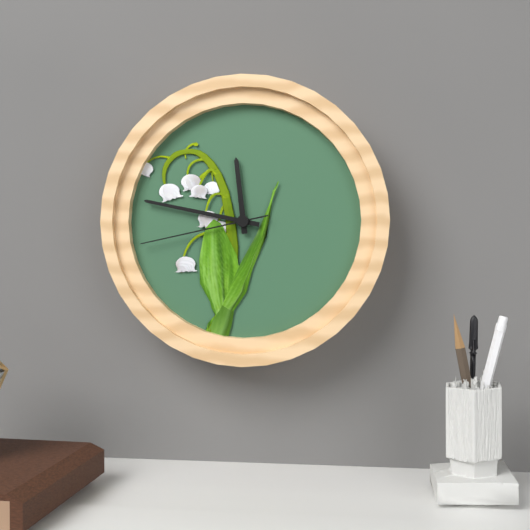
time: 11:47:43
